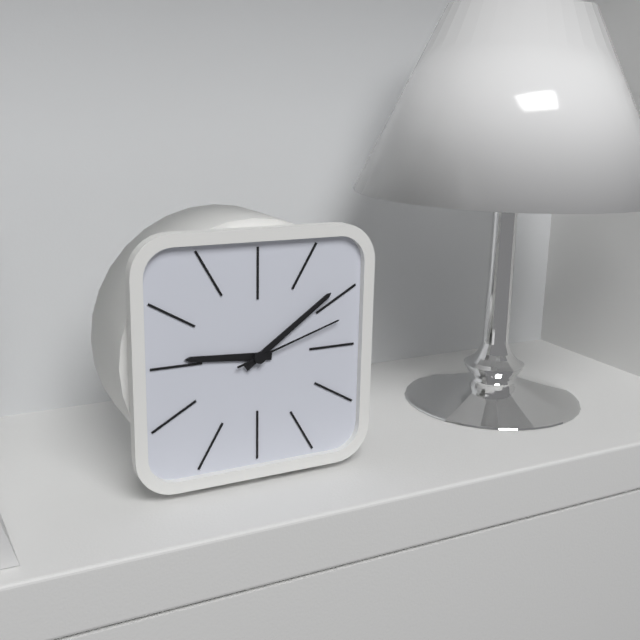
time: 9:09:12
